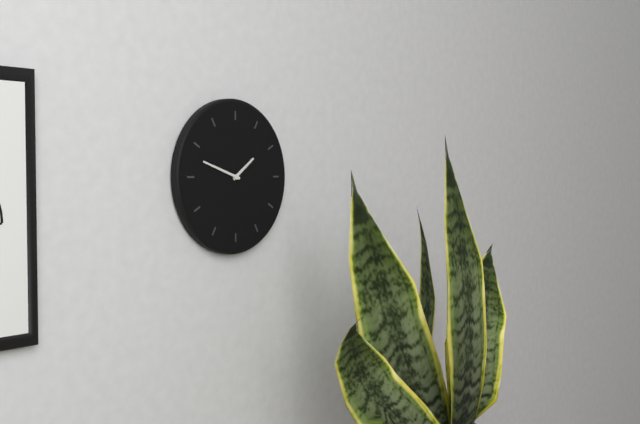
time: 1:48
